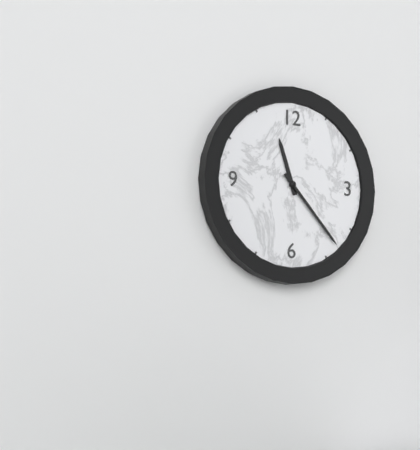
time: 11:23
